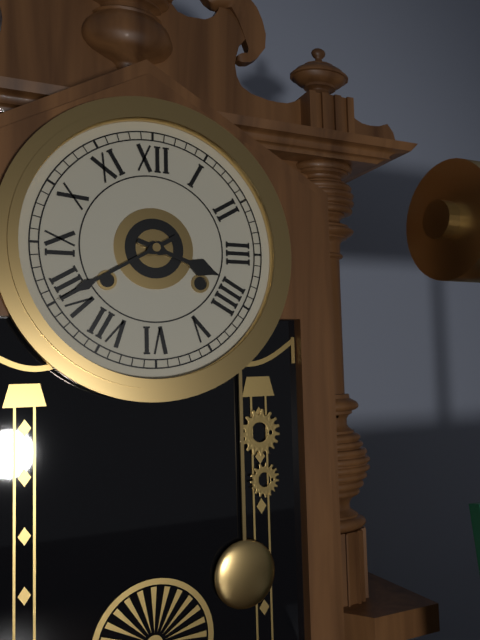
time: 3:40
